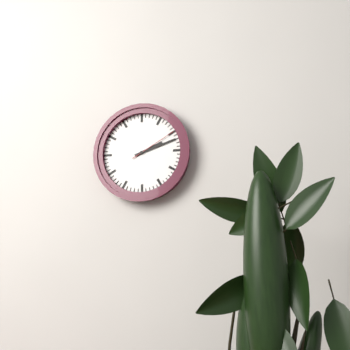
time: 2:12
